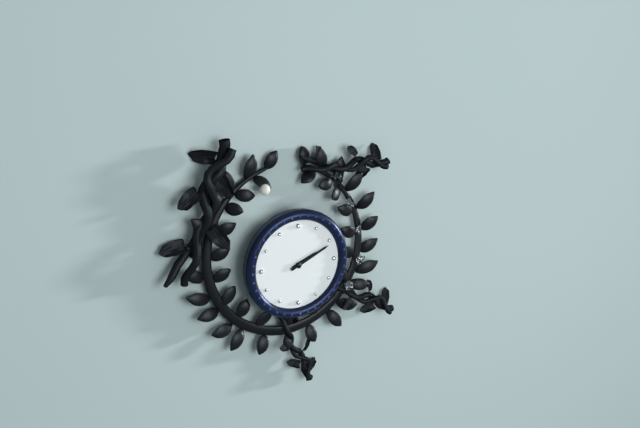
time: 2:11
